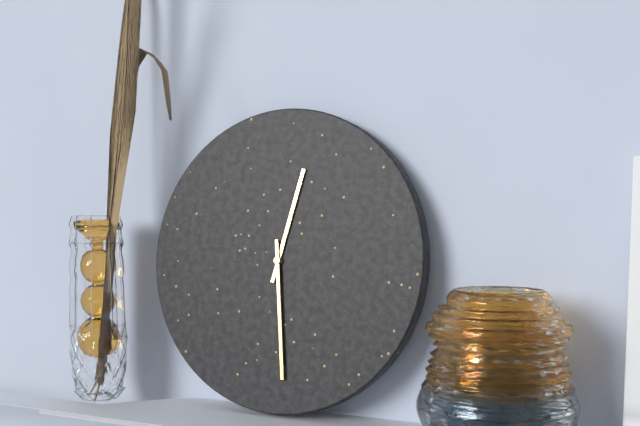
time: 12:29
